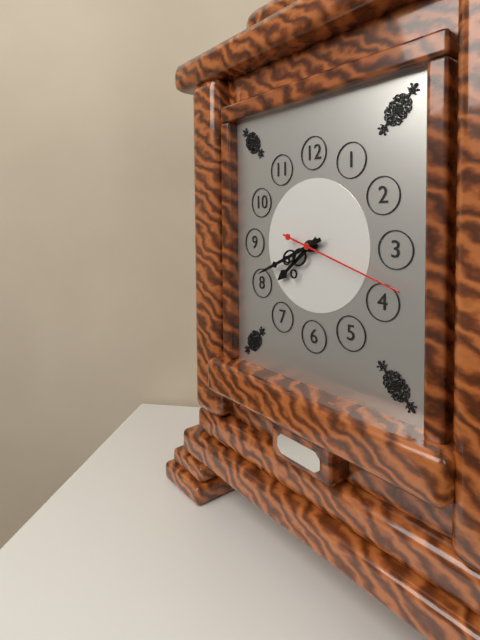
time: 7:41:18
